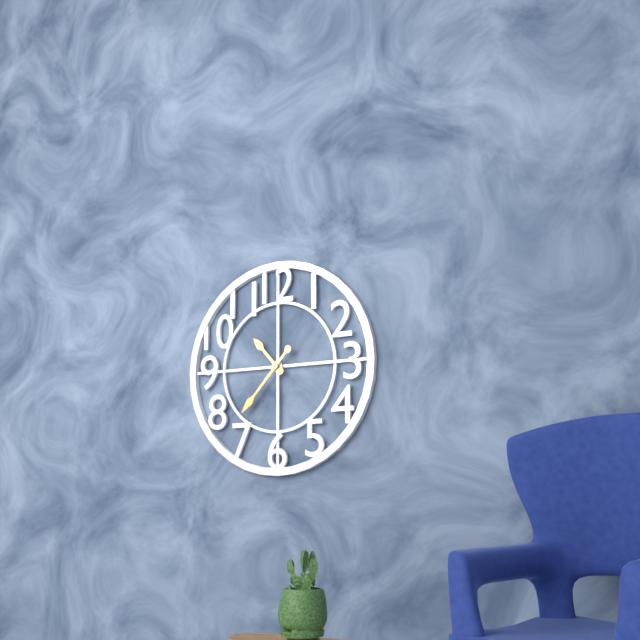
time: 10:37
